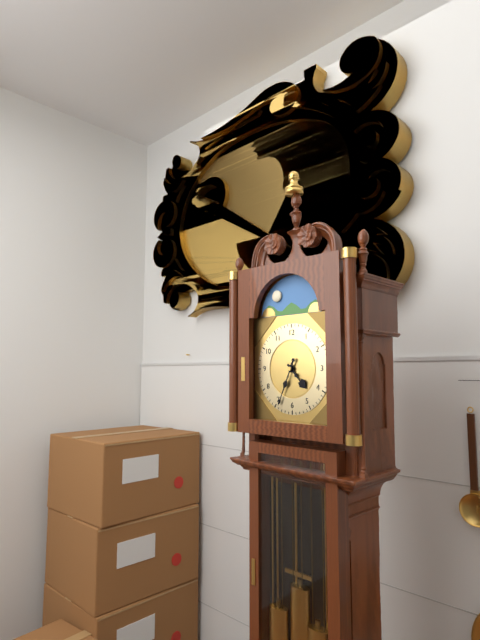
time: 4:34
